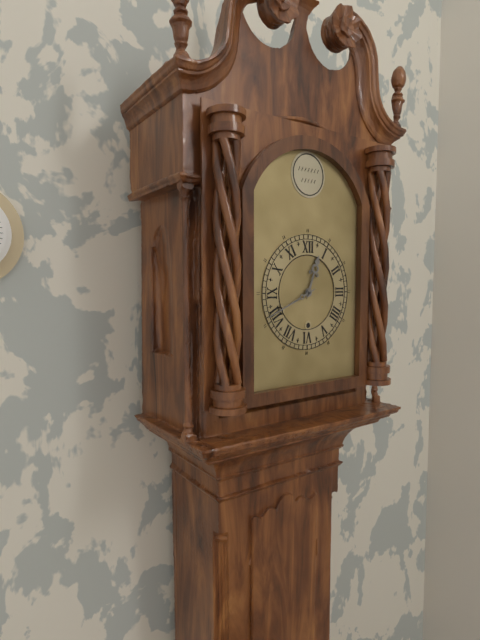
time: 12:41
